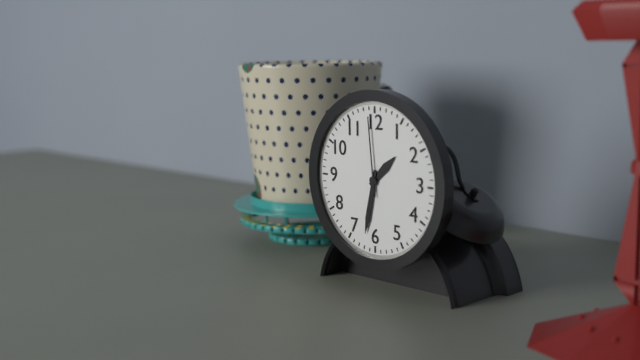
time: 1:32:59
